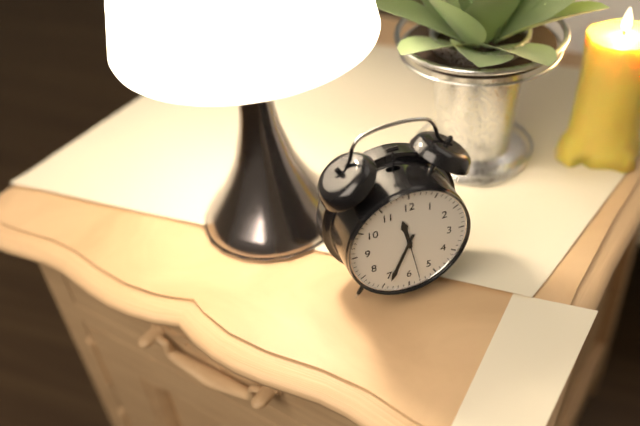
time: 11:34
